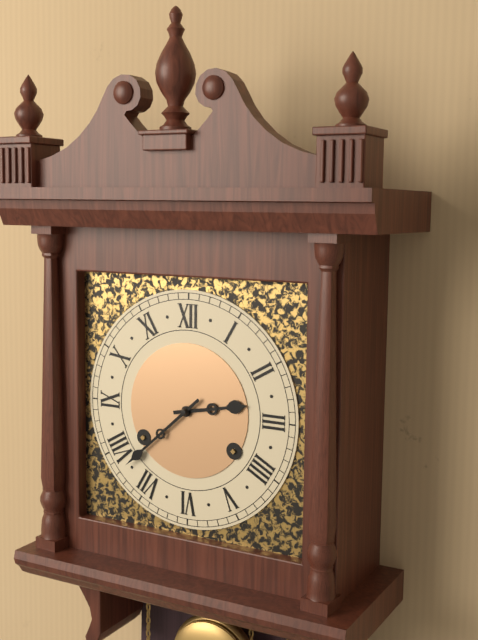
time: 2:38
